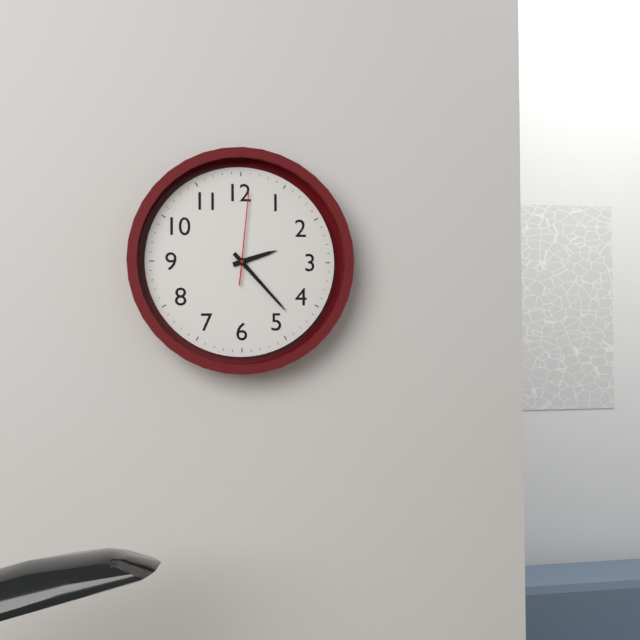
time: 2:23:01
